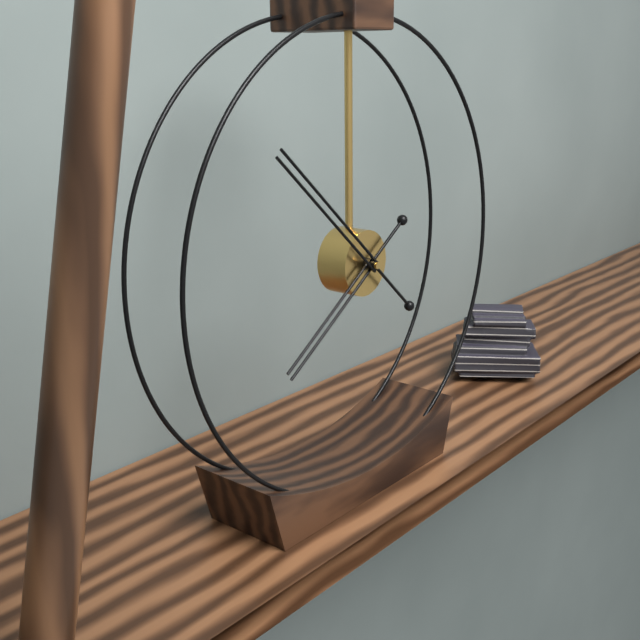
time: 7:52
